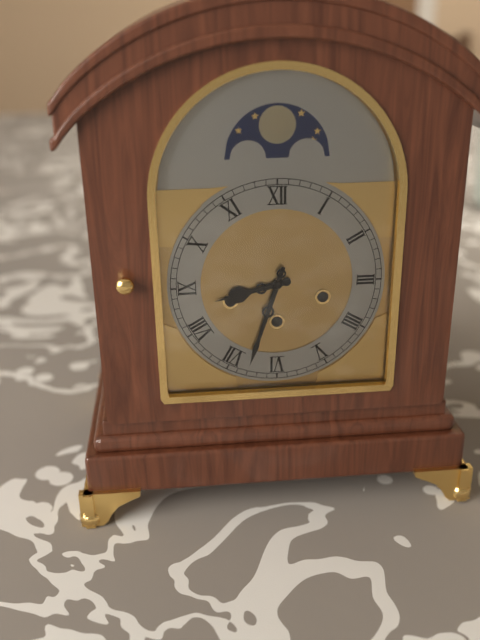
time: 8:33
